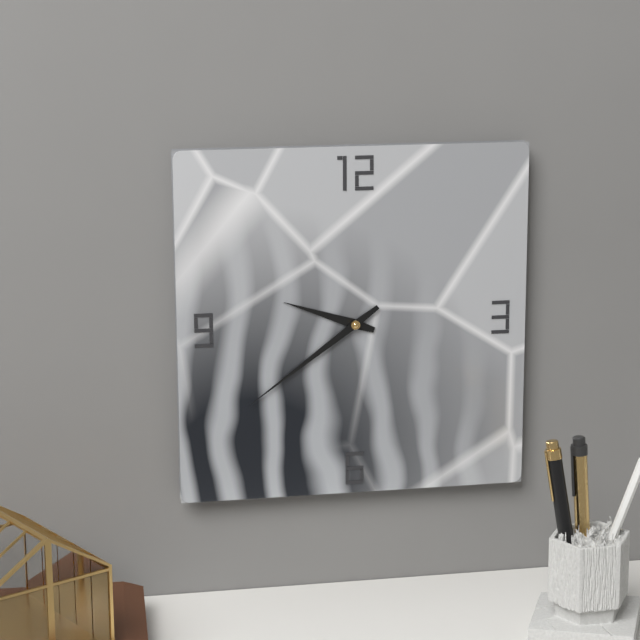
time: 9:39
